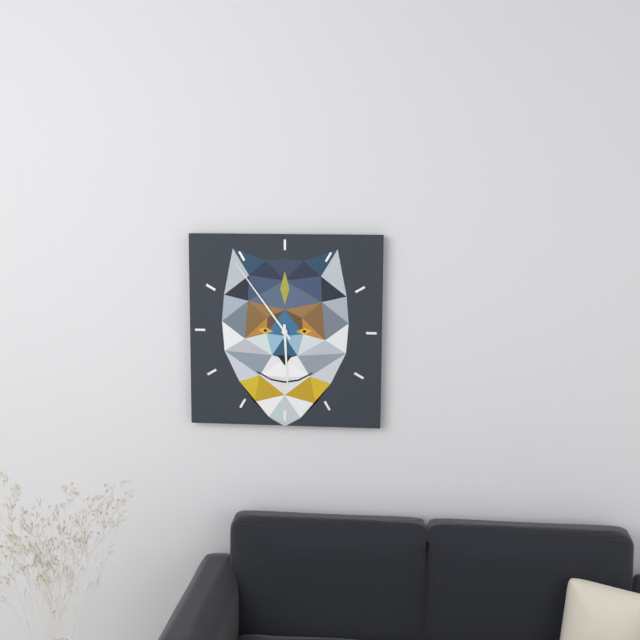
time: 5:54
